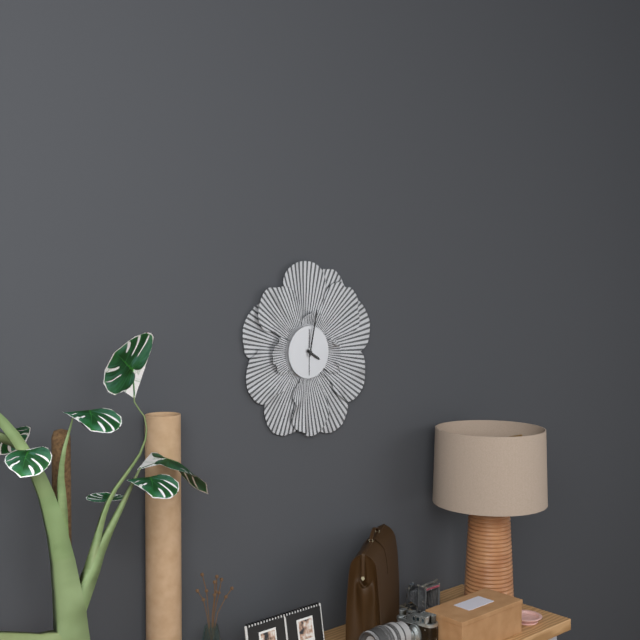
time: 4:02
